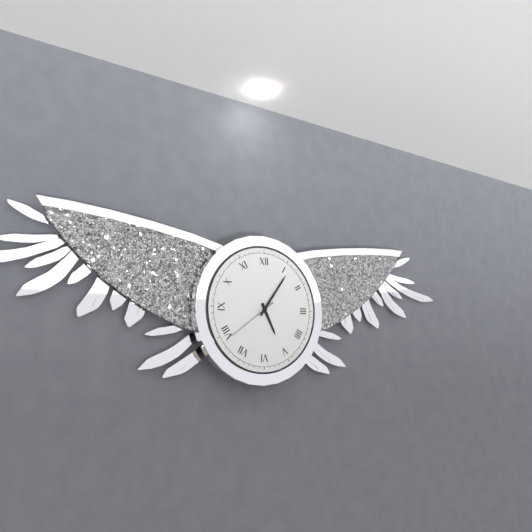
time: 5:06
